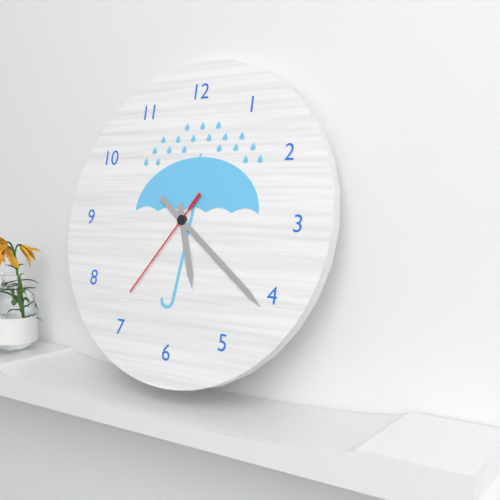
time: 5:21:36
